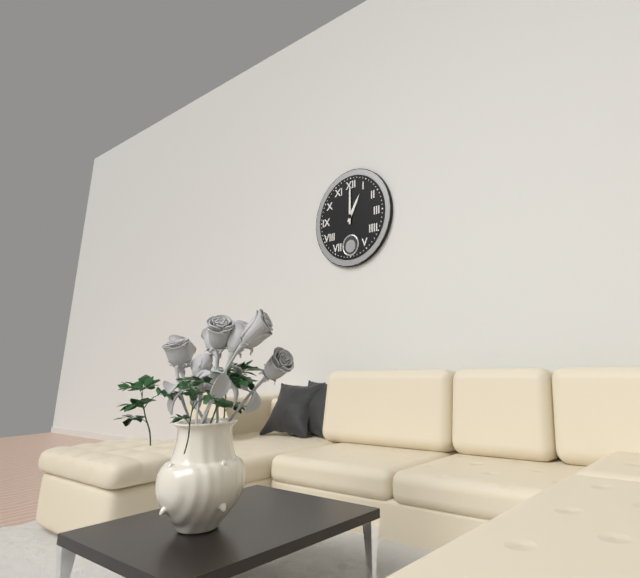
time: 1:00
